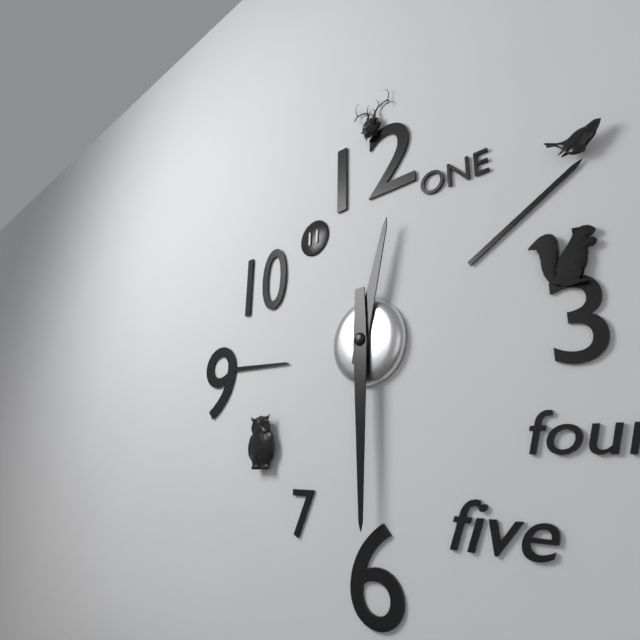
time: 12:30
